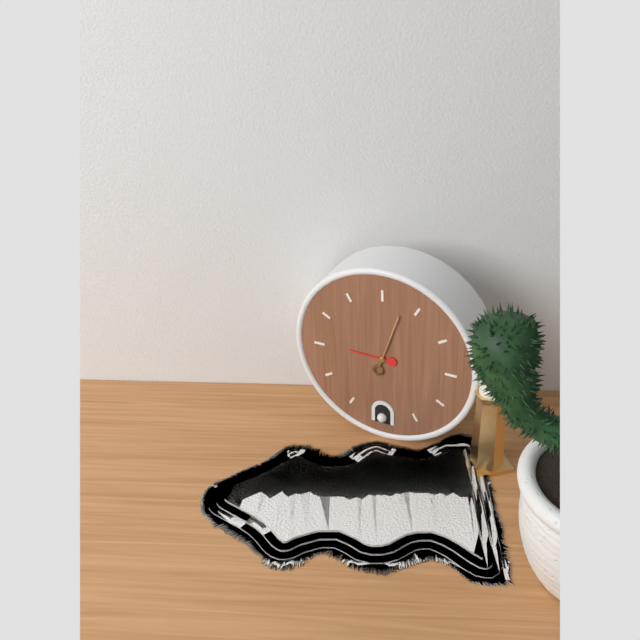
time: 9:03
